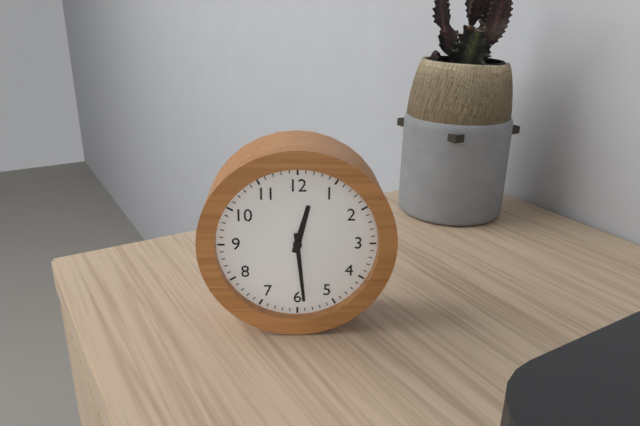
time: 12:29
